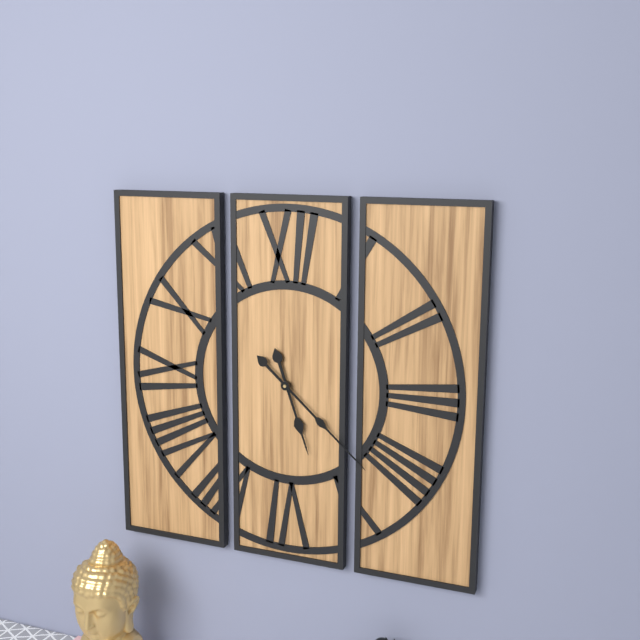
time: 5:22
